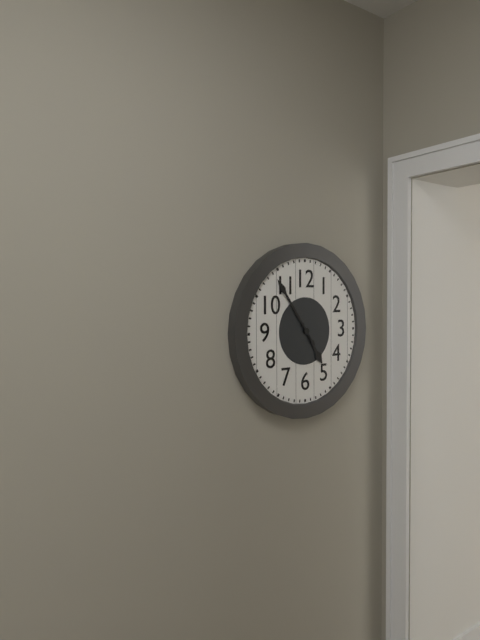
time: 4:54
